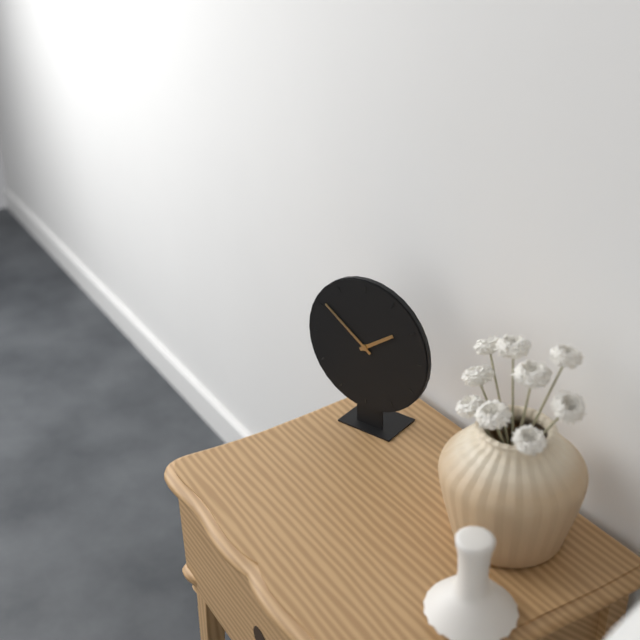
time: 1:51
